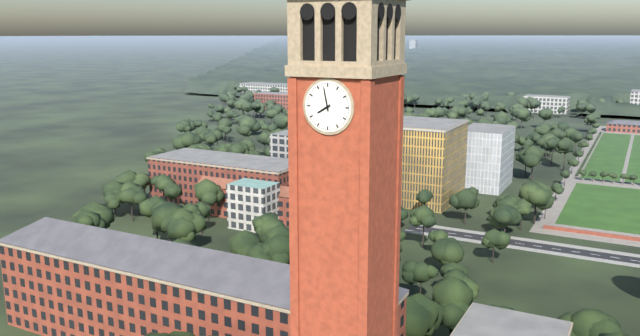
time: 7:58
